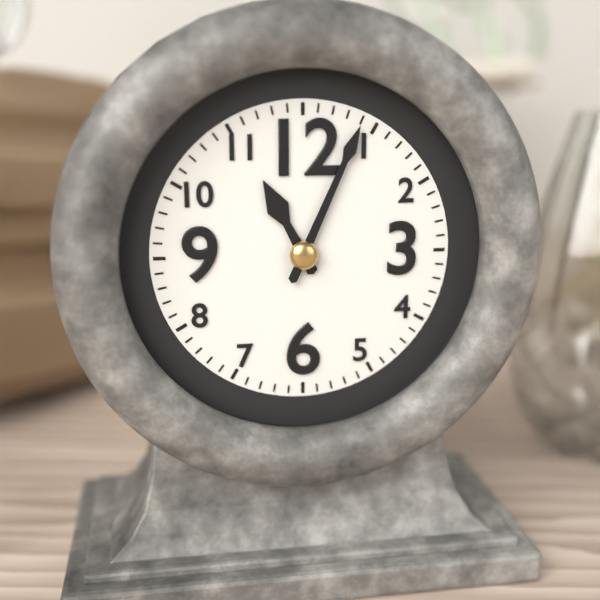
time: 11:04
